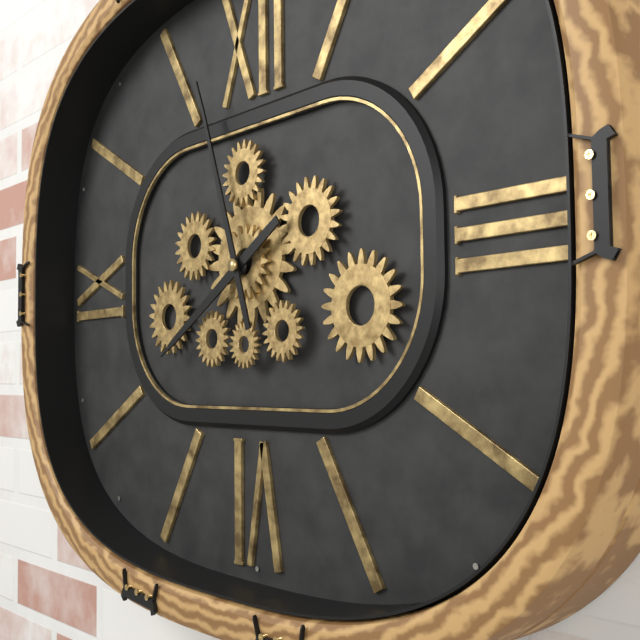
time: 7:57
